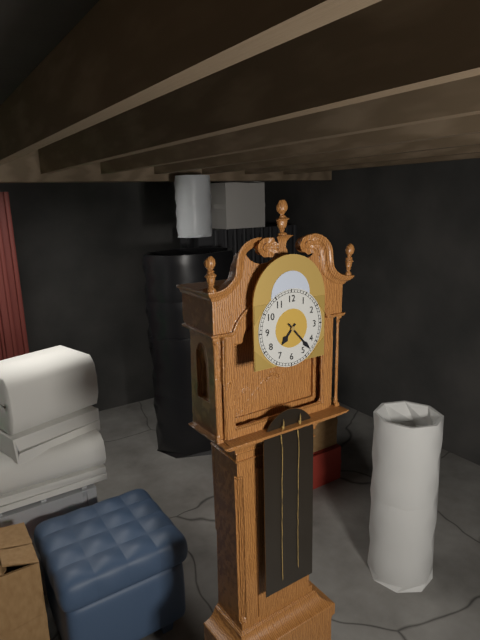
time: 7:23
